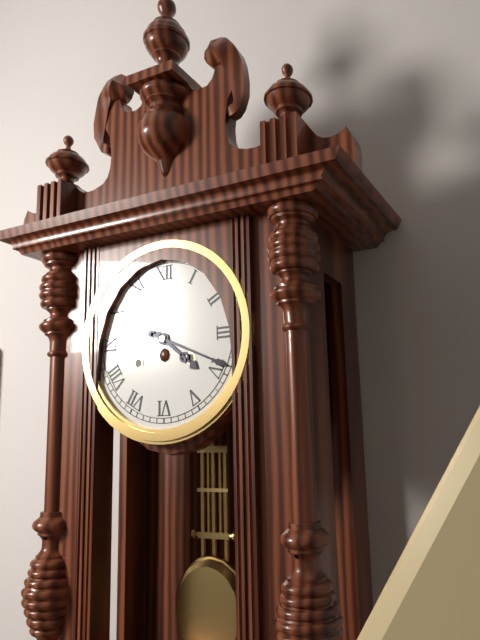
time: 4:19
